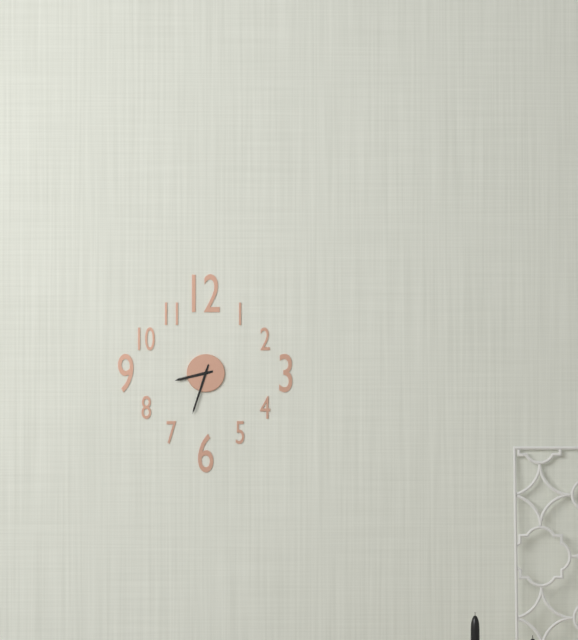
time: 8:33
